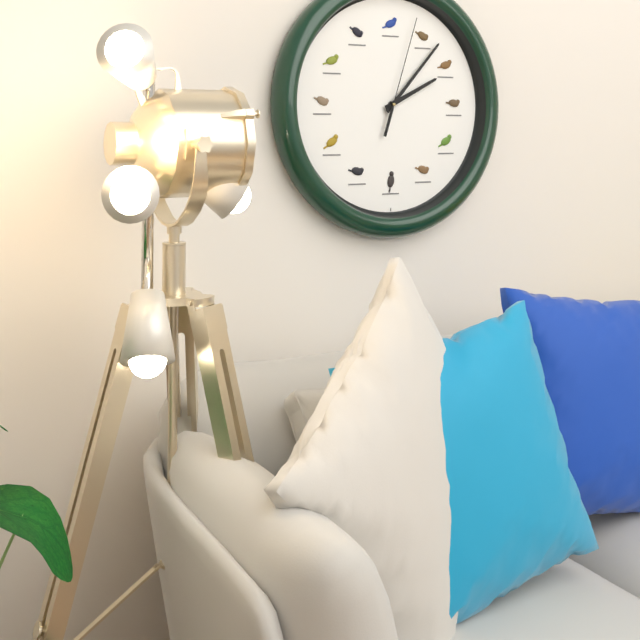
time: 2:07:03
